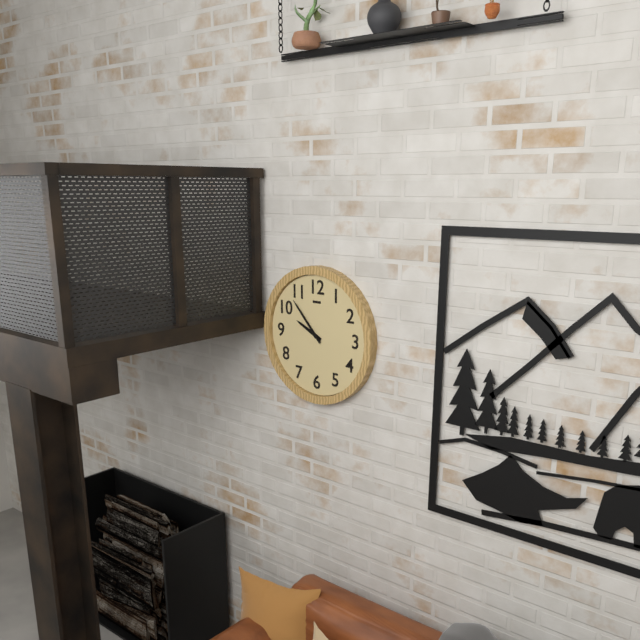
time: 9:53
